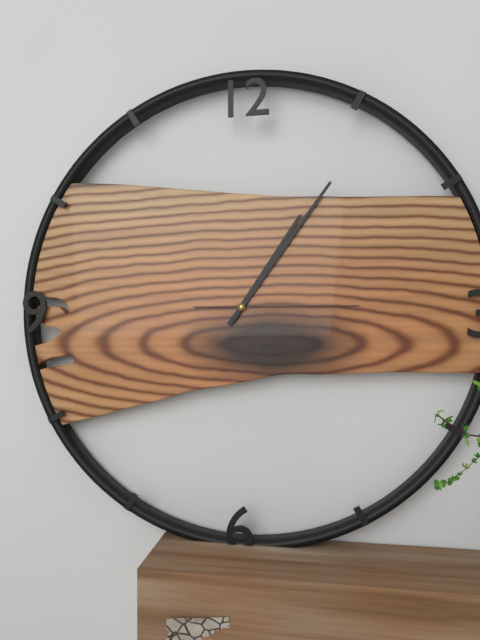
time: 1:06:15
